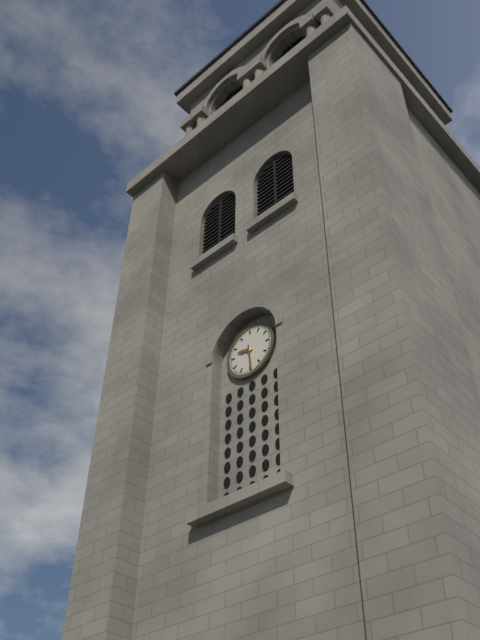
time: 9:29
